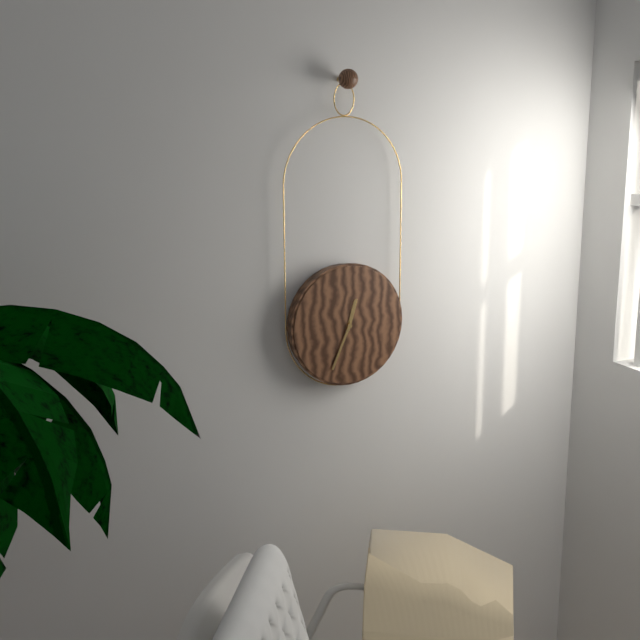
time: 12:34
